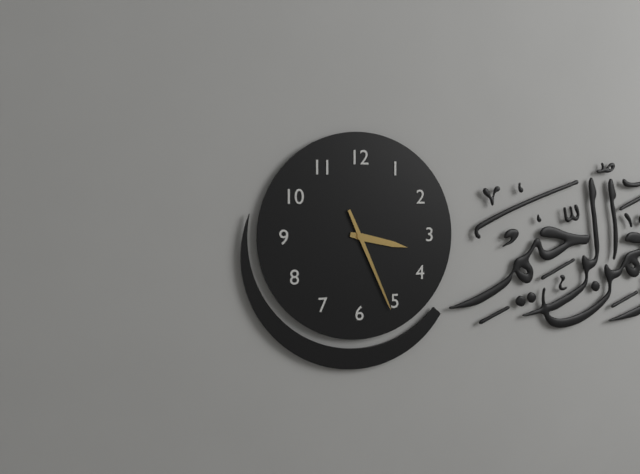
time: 3:26
